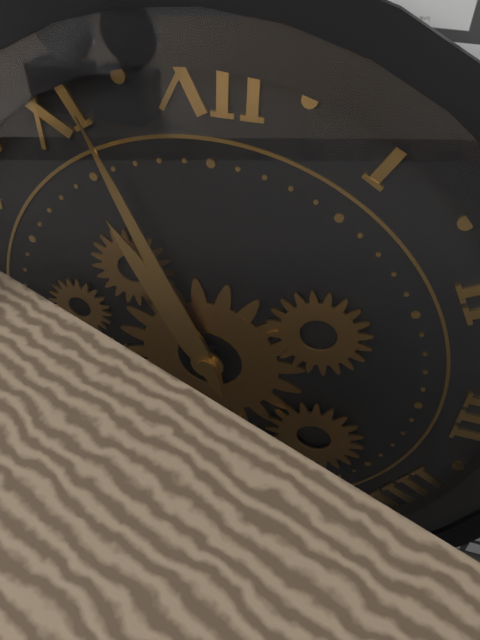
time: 10:56
